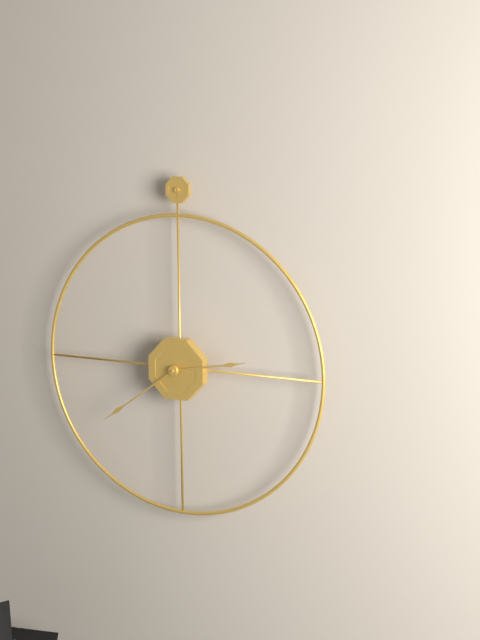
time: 2:39
